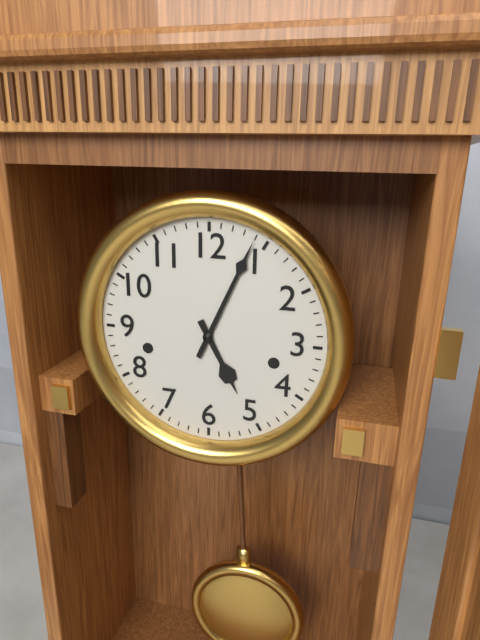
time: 5:04
